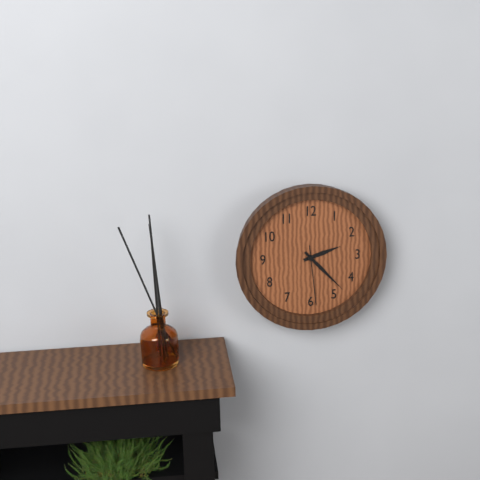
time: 2:23:29
